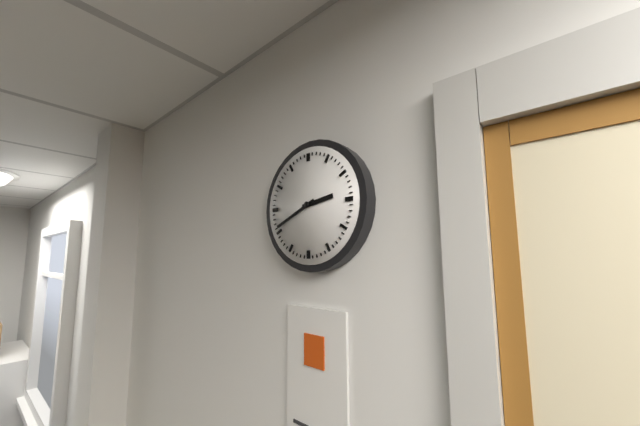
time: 2:41
